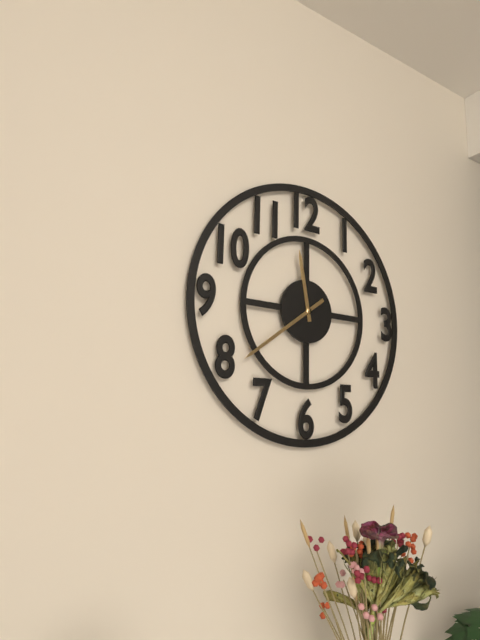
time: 11:39
